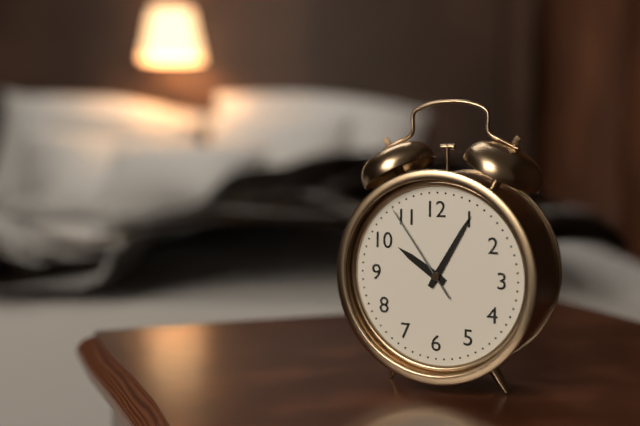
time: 10:05:54
